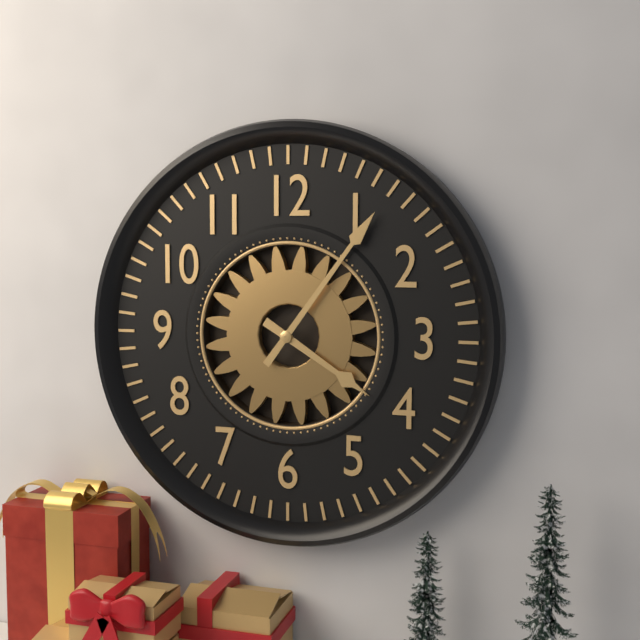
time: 4:06
